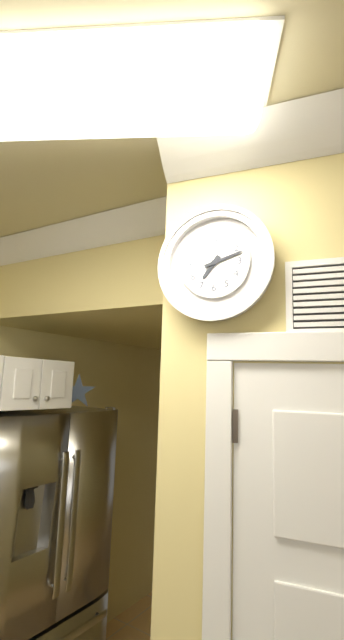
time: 7:12
